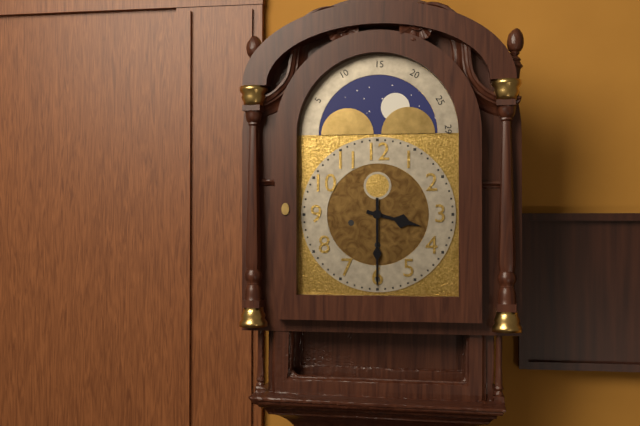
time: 3:30
